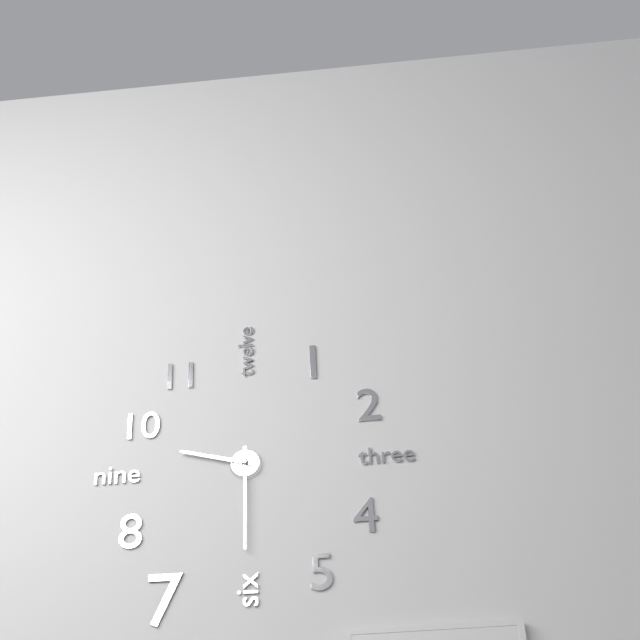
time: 9:30
